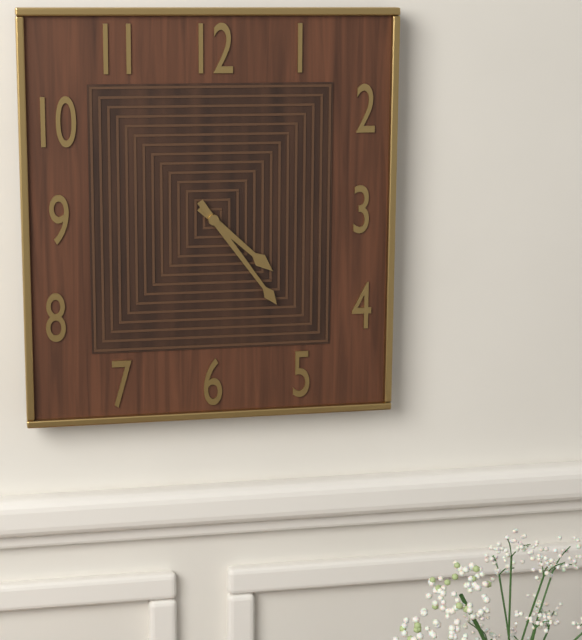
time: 4:24
